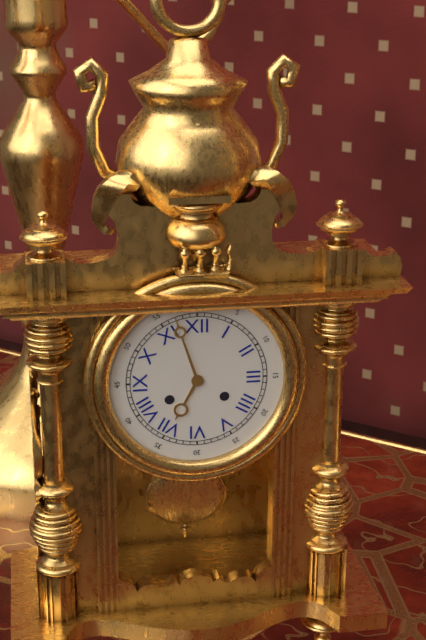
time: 6:57
